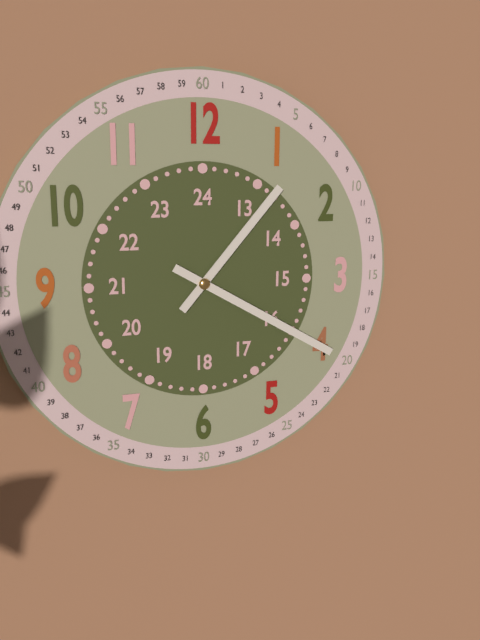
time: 1:20
